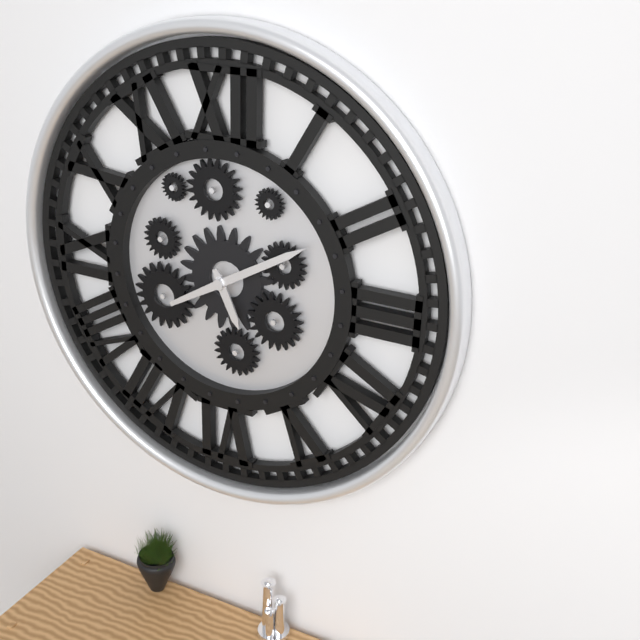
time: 5:10
